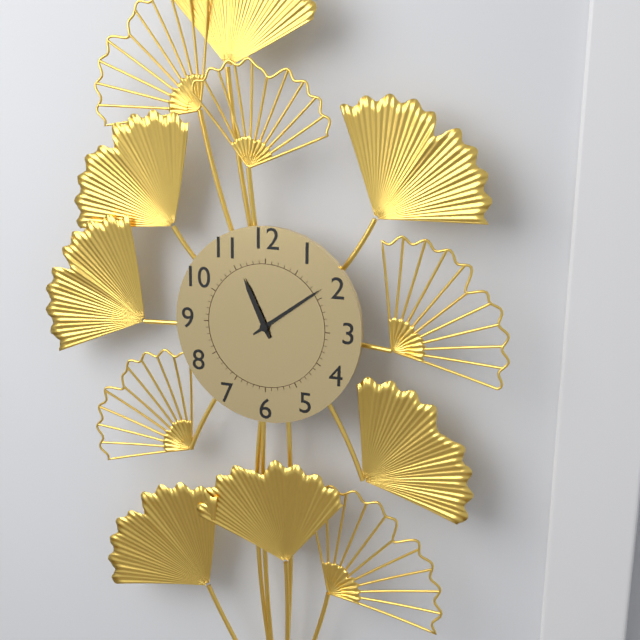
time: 11:09
